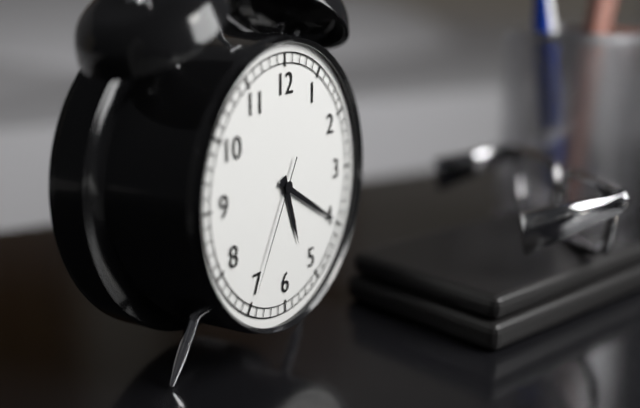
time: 5:20:35
